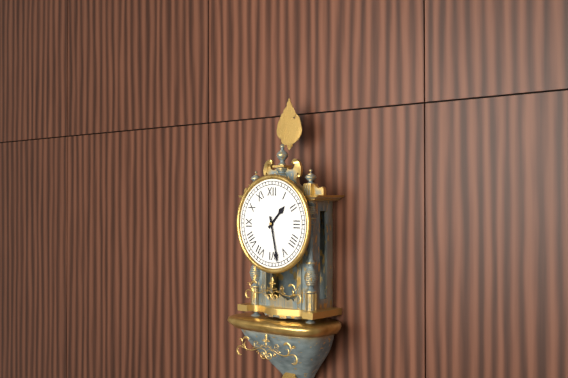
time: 1:28
